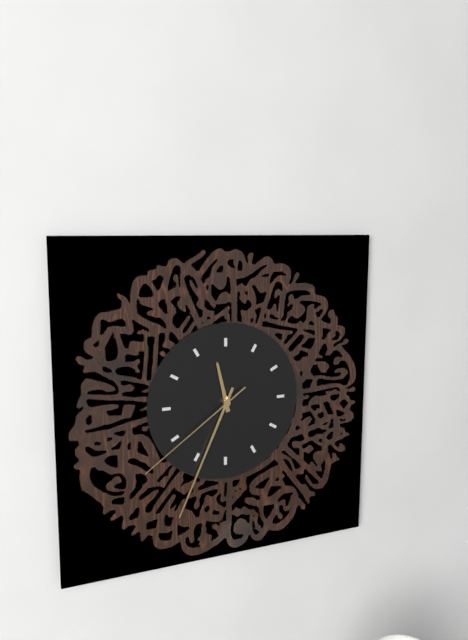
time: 11:34:39
